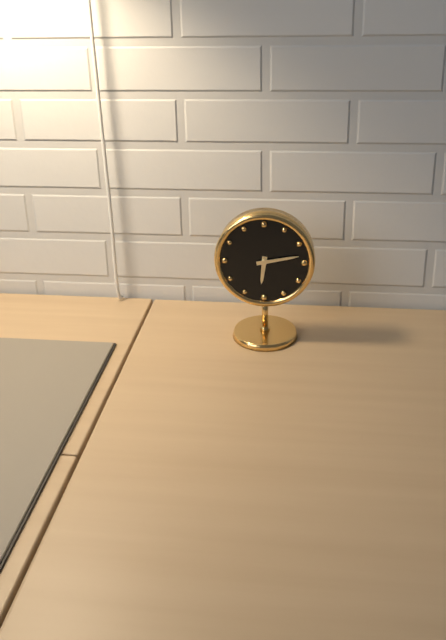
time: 6:13
